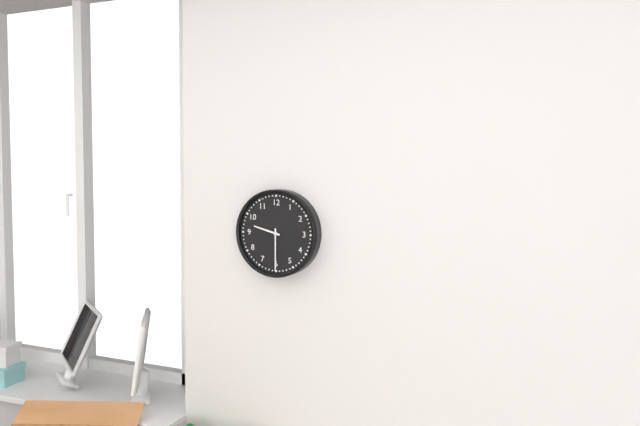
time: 9:30
